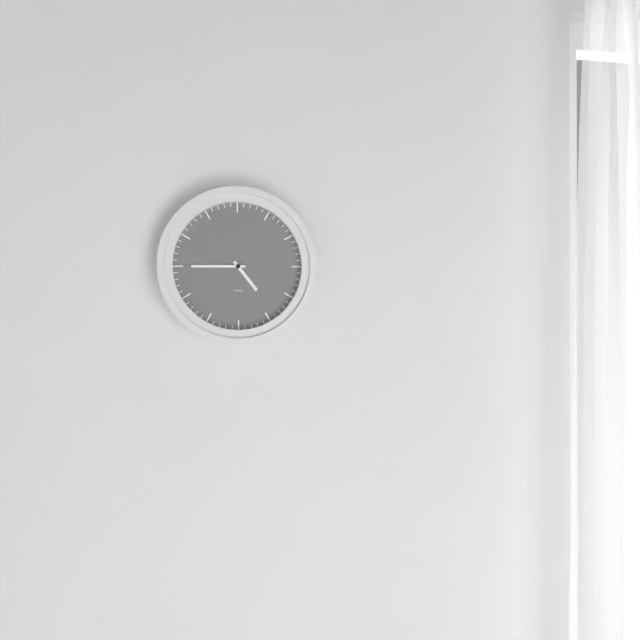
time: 4:45
